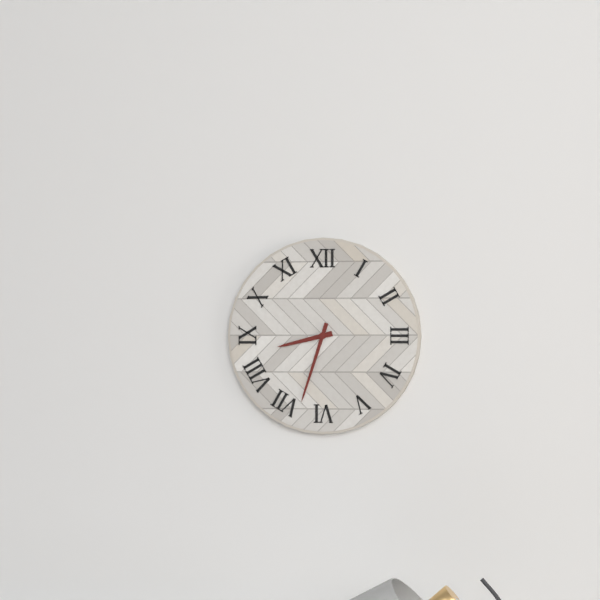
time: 8:33
